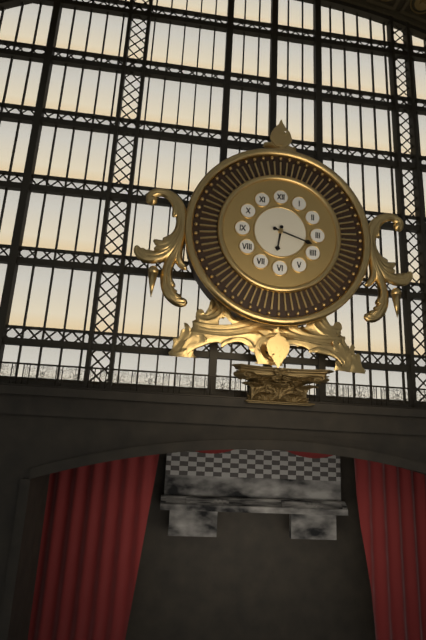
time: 6:18
